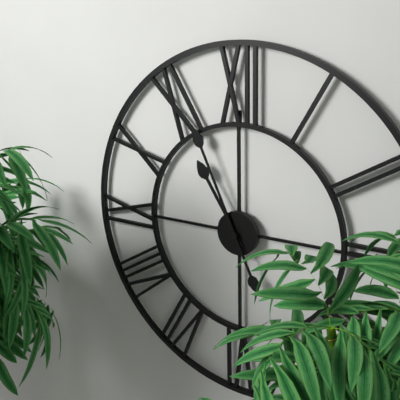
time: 10:56
